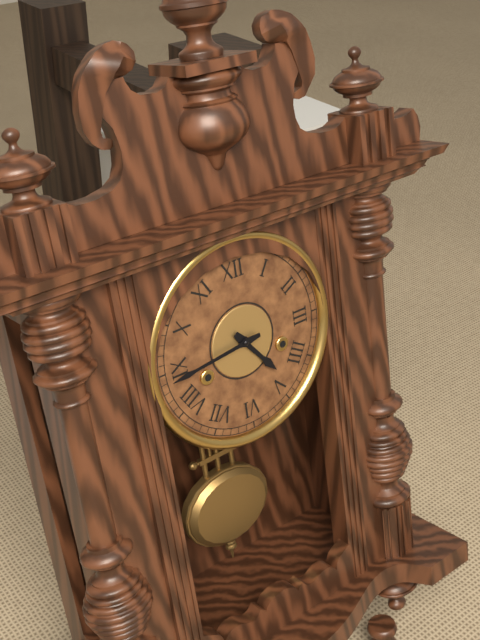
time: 4:44
